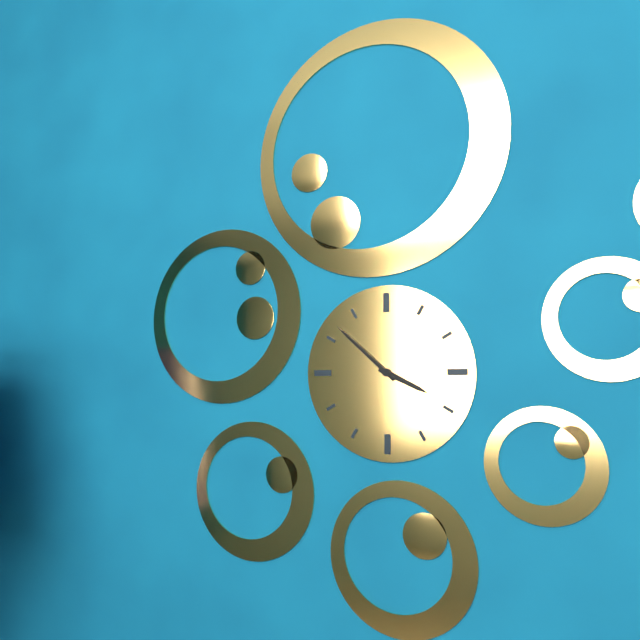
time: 3:52
